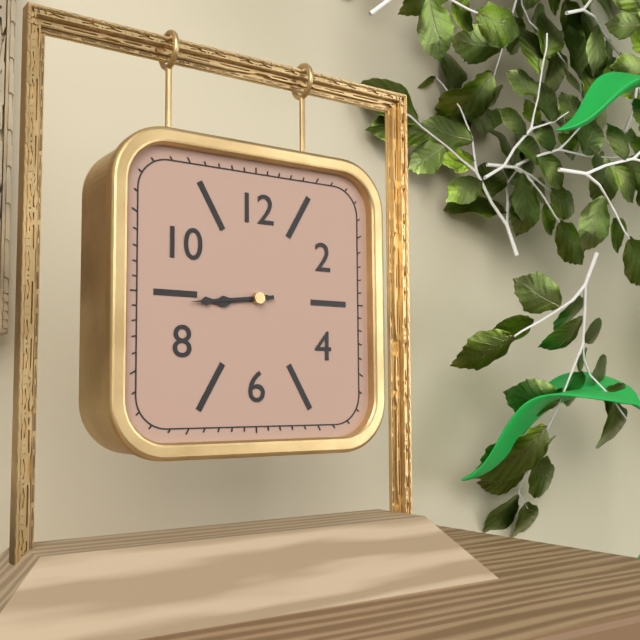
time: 8:44
